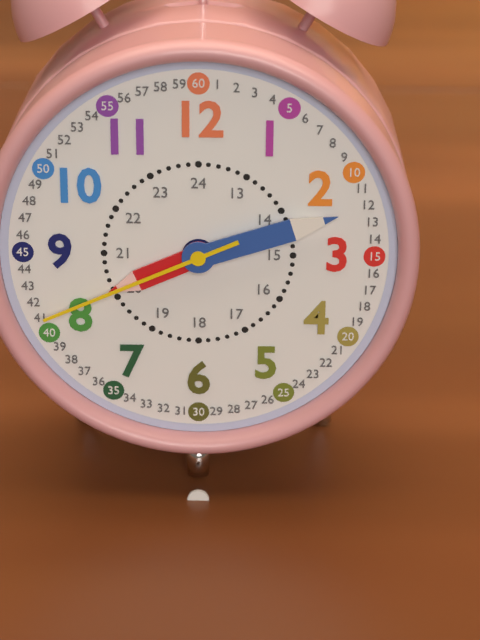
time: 8:12:41
